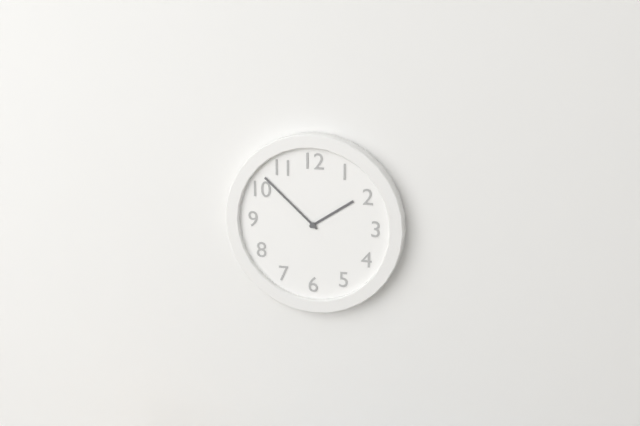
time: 1:52
